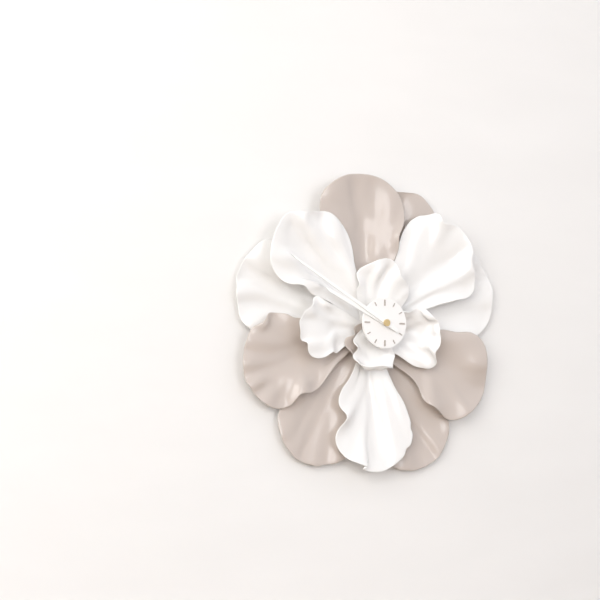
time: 9:50
